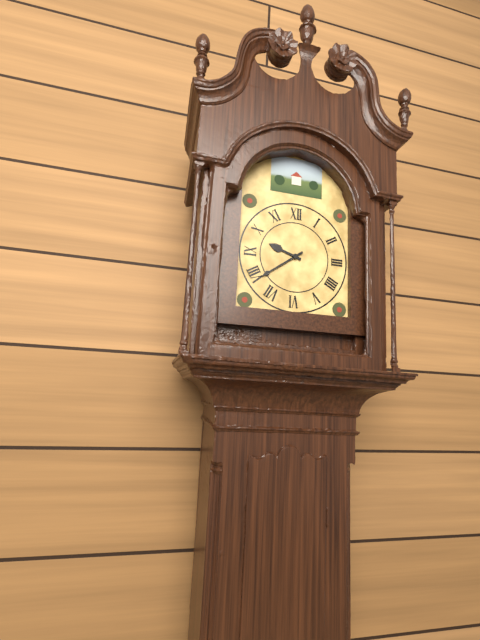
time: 9:39
